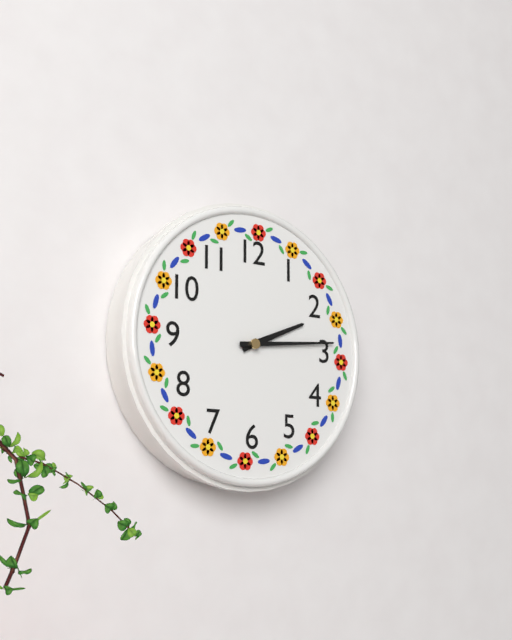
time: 2:14
